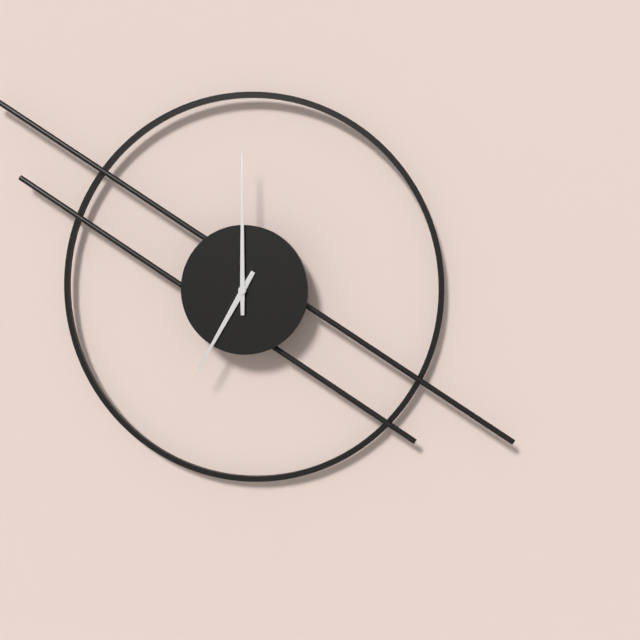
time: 7:00
